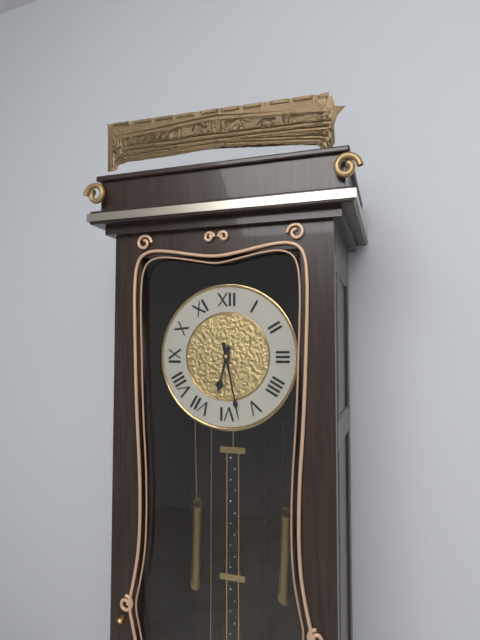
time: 6:28
